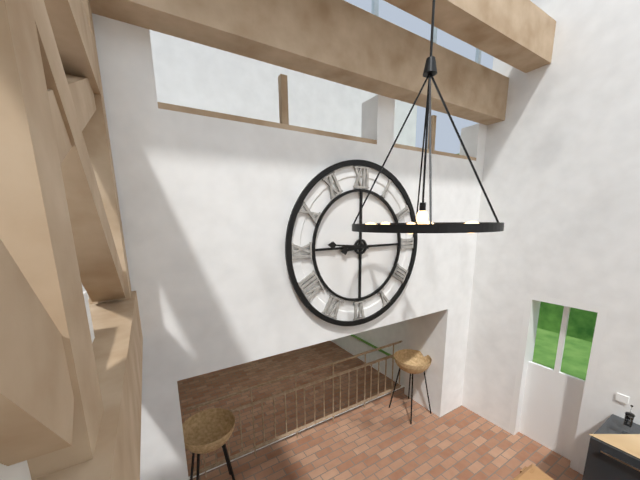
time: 8:46
